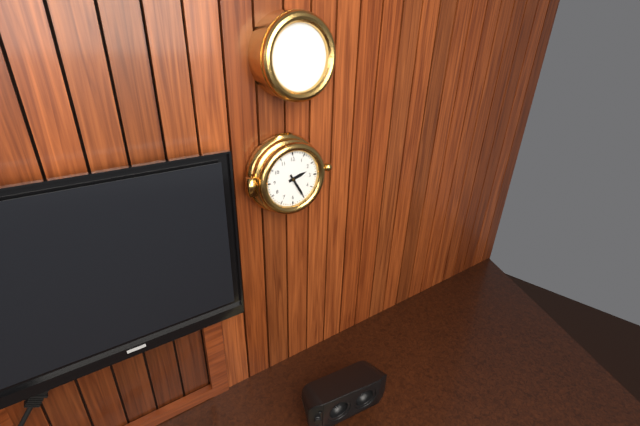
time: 2:25
